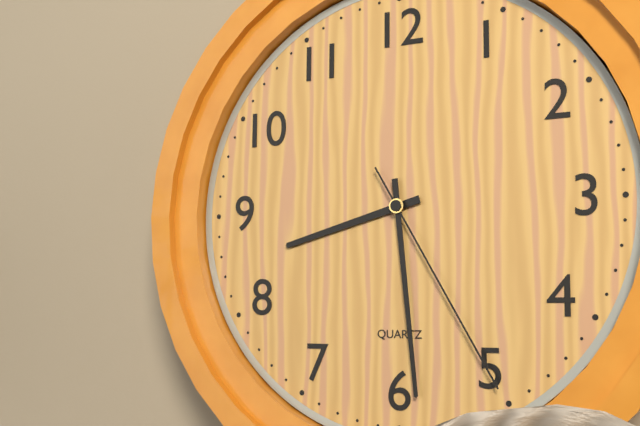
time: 8:29:25
